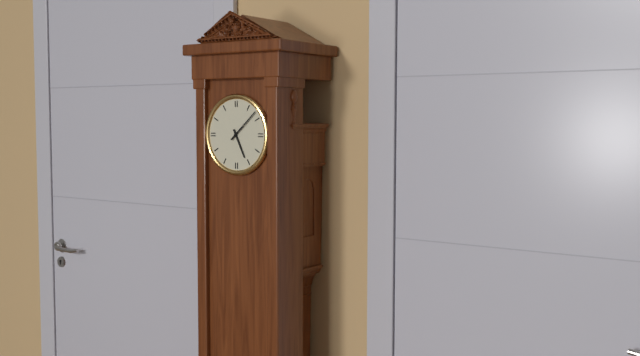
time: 5:08
